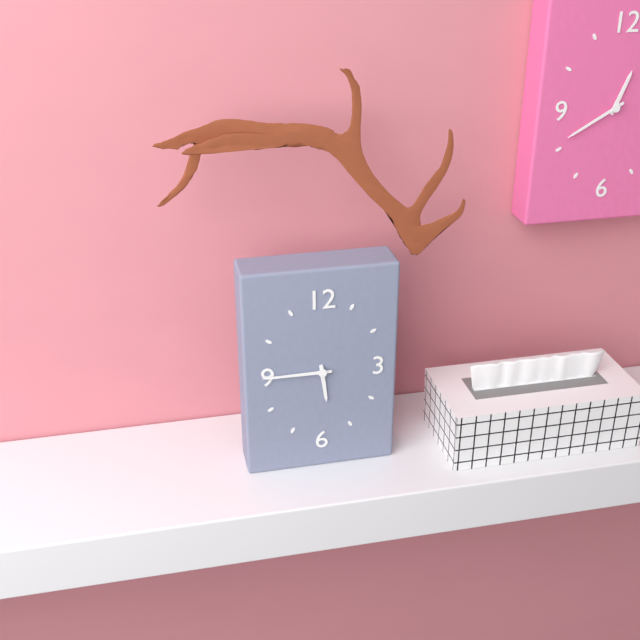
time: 5:45
